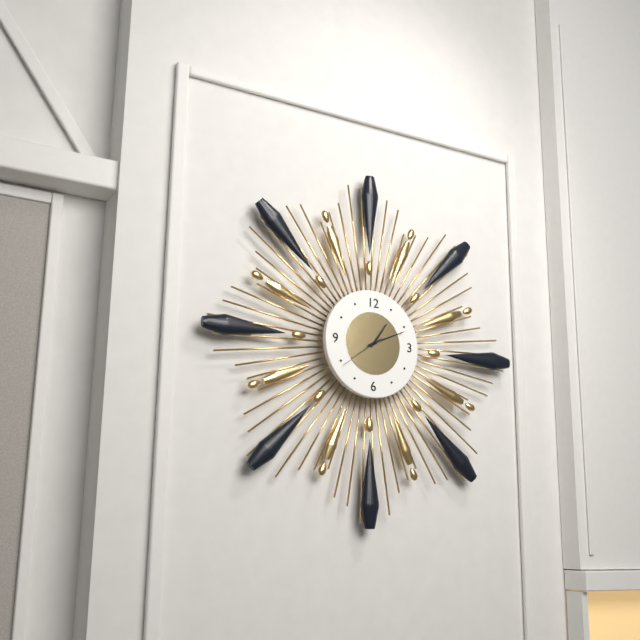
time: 1:11
